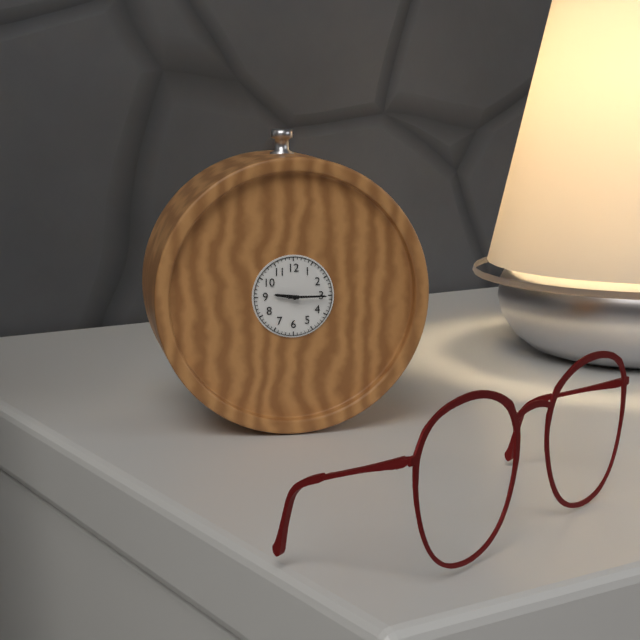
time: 9:15
